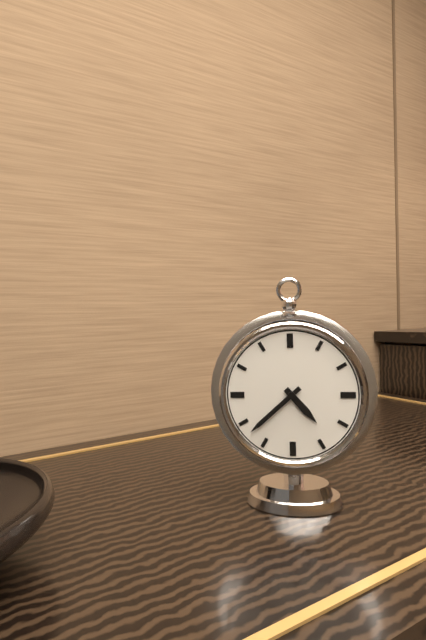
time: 4:38
